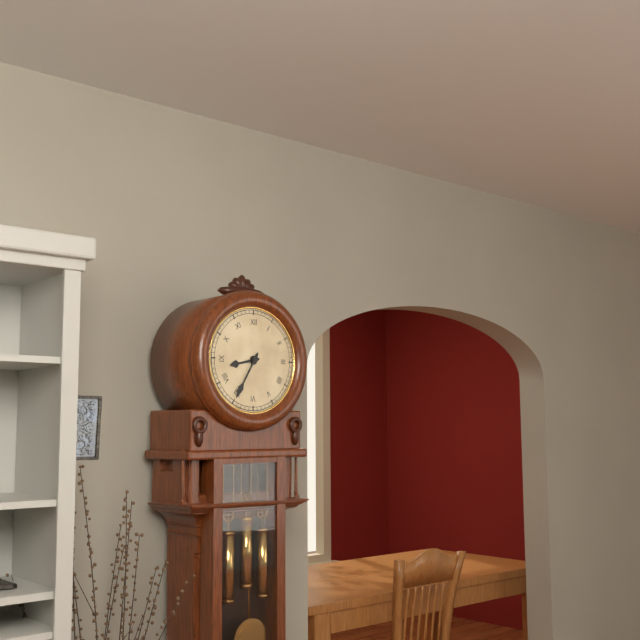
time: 8:35
